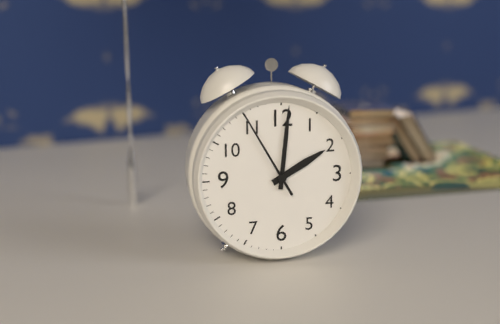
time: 2:01:55
